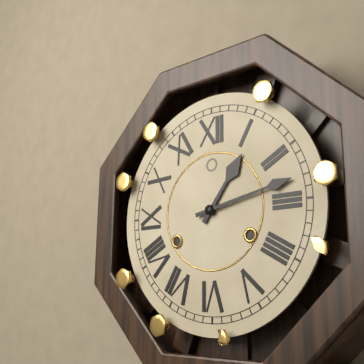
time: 1:13
